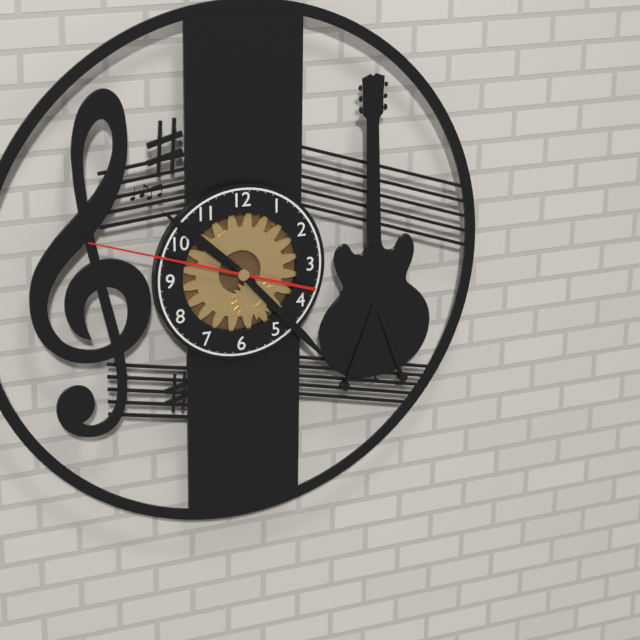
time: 10:23:48
